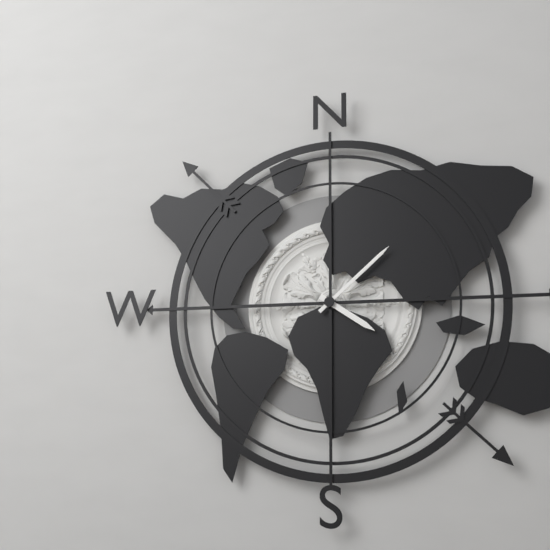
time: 4:08
